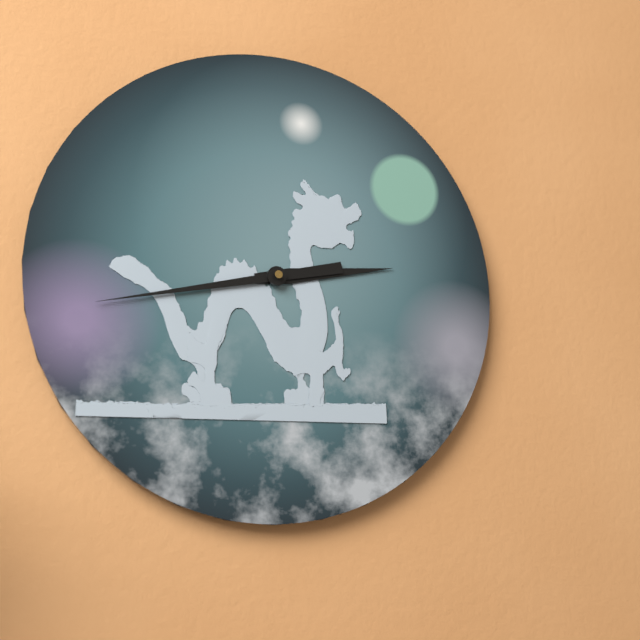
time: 2:43
